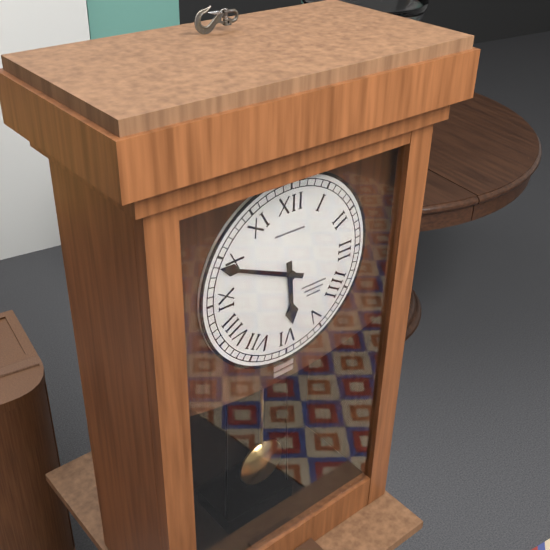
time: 5:49
